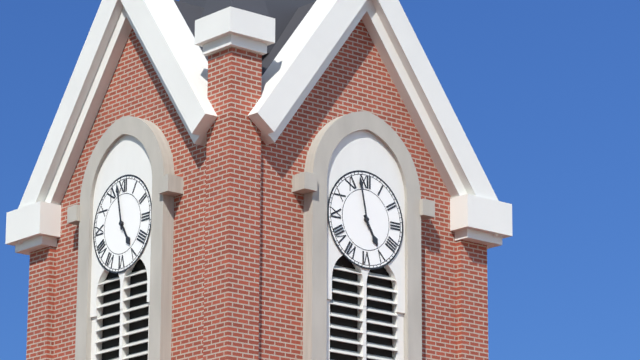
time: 4:58
